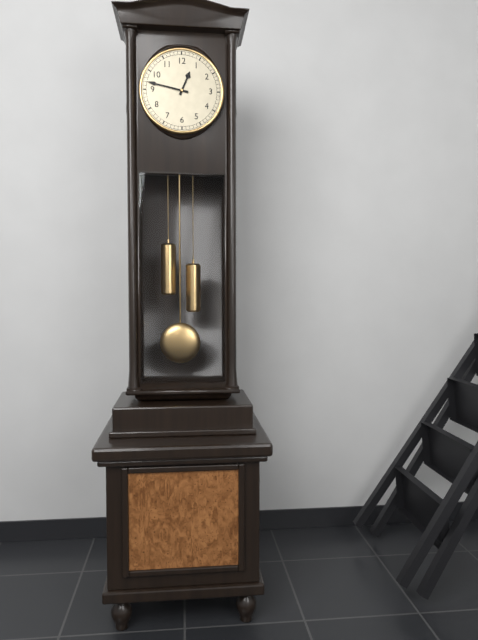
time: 12:47
